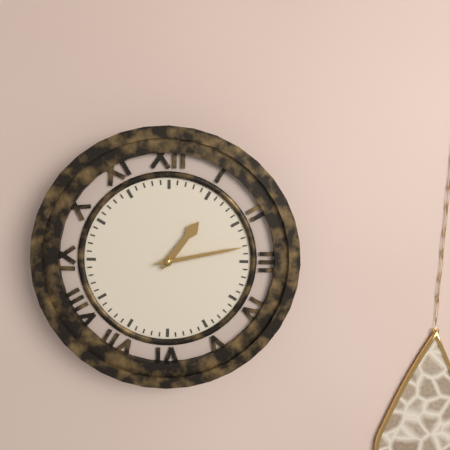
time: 1:13
